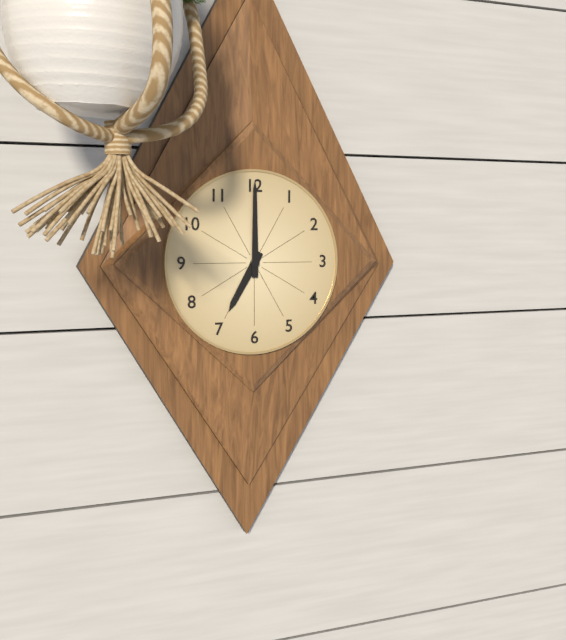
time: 7:00
